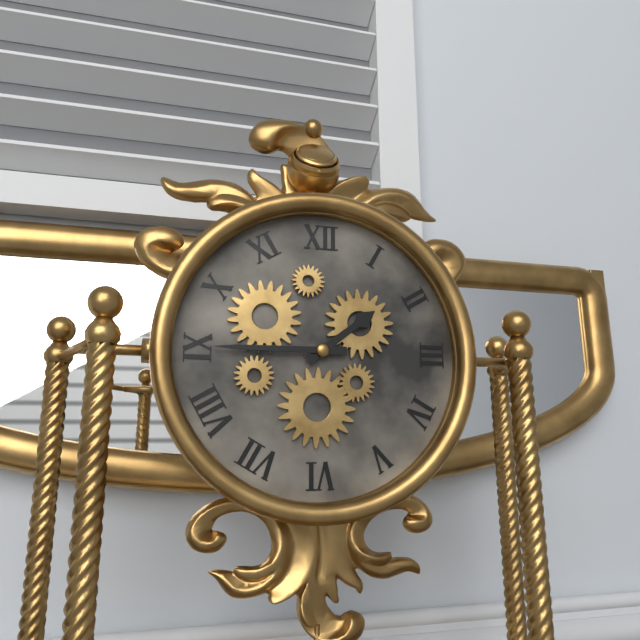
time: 1:45
